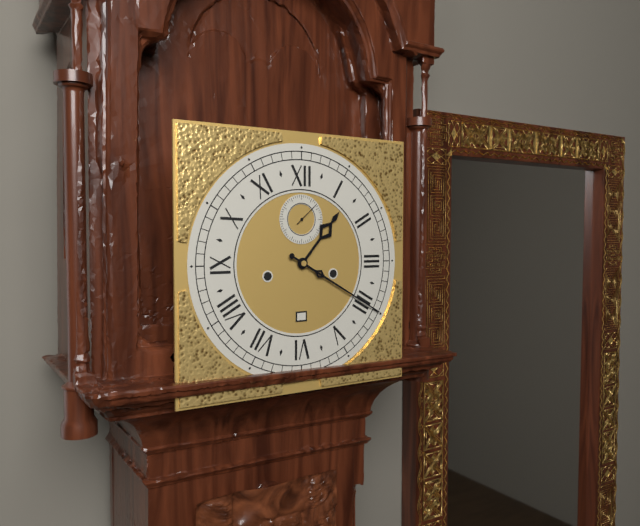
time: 1:20
